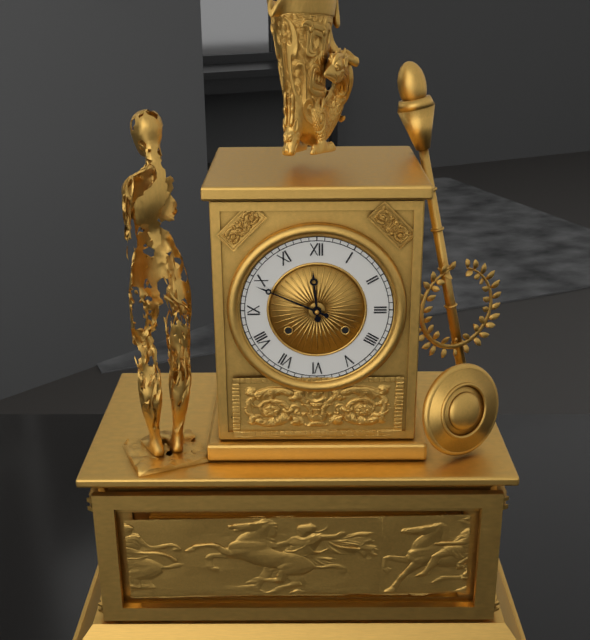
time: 11:49
